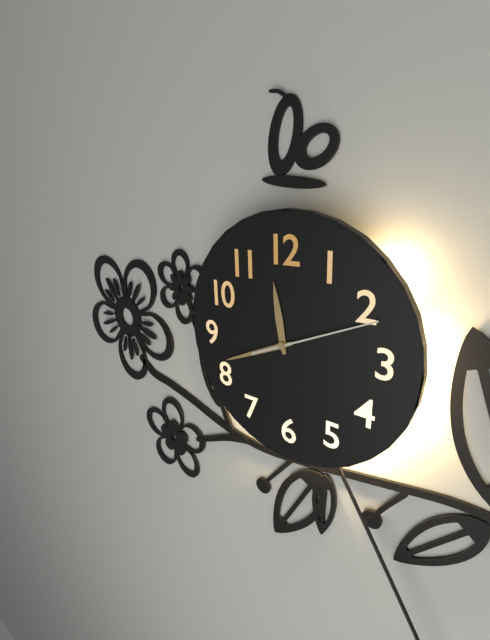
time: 11:41:11
